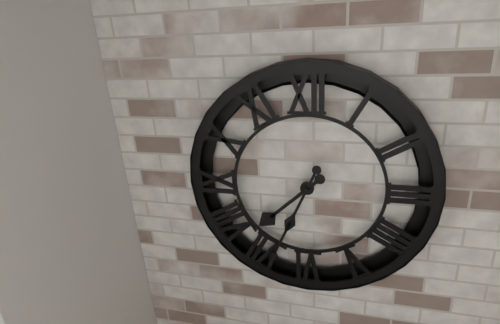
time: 7:34
